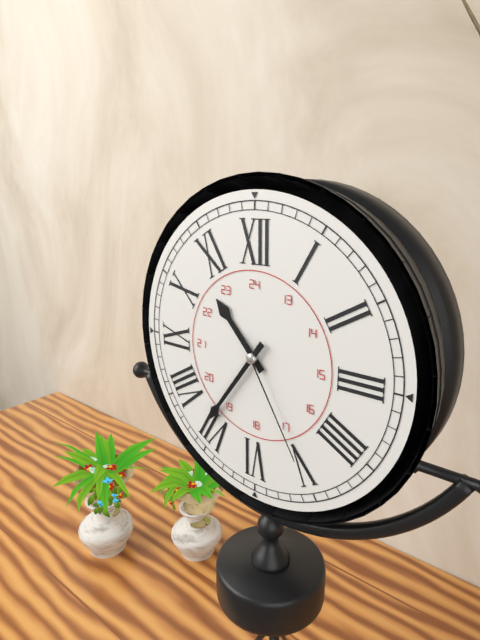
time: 10:36:25
